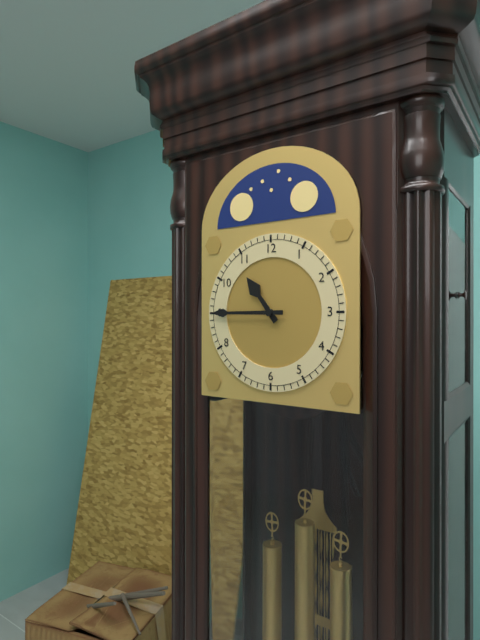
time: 10:45
